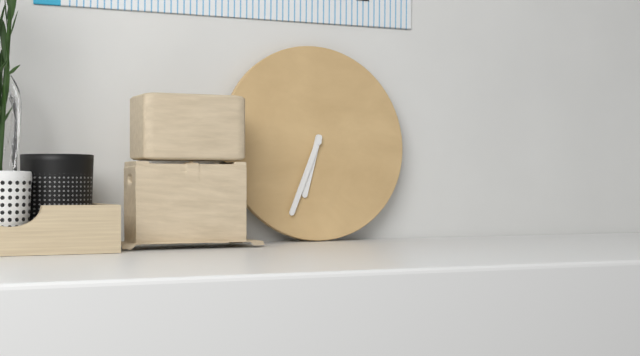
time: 6:34
